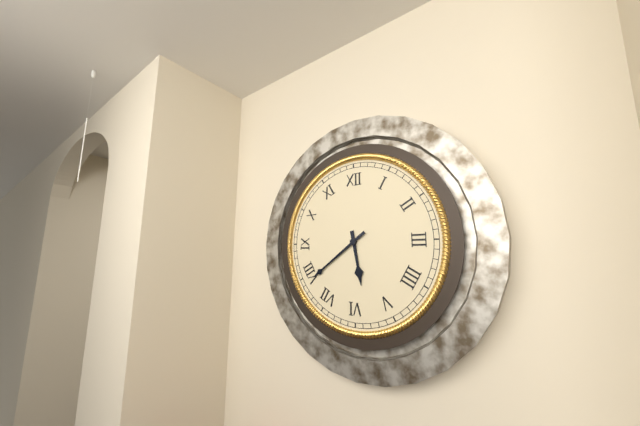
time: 5:39
